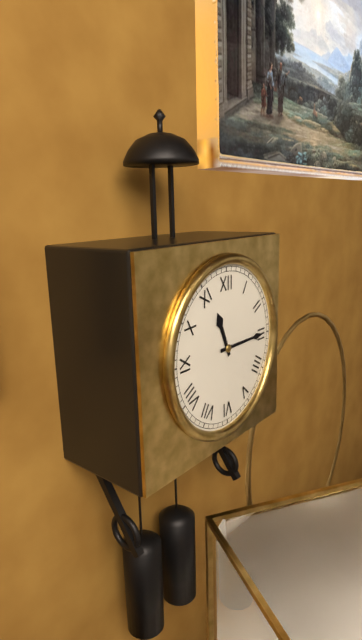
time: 11:15
